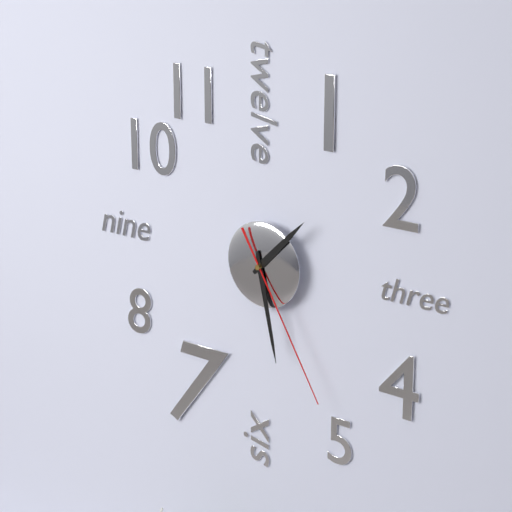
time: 1:28:25
